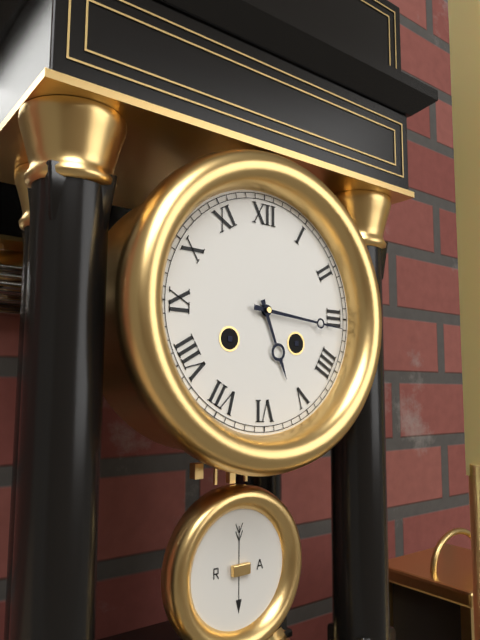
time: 5:16
